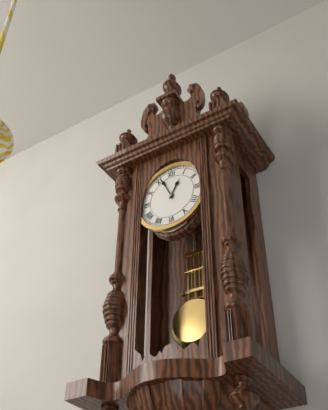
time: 12:56
